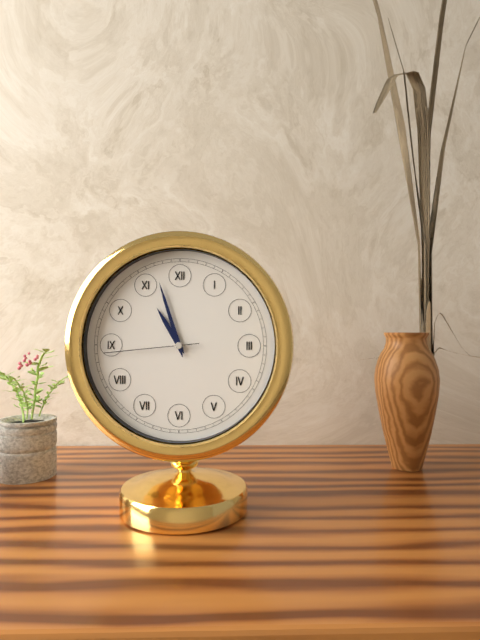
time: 10:57:44
